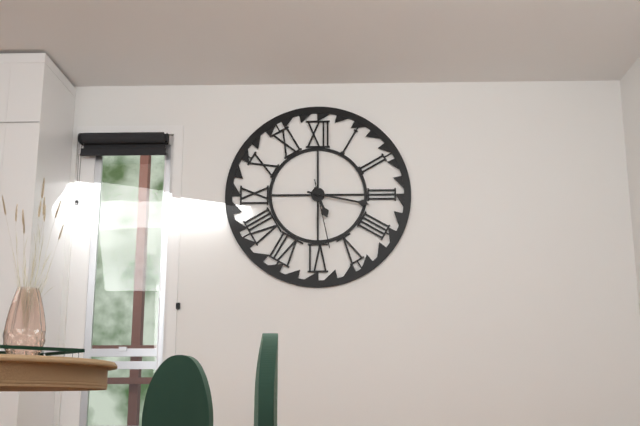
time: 5:17:28
